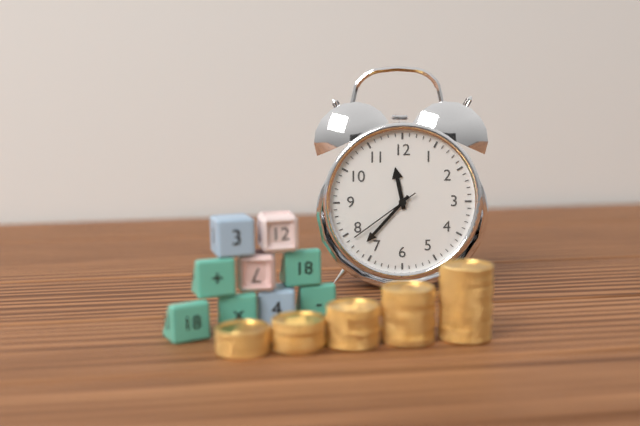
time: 11:37:39
